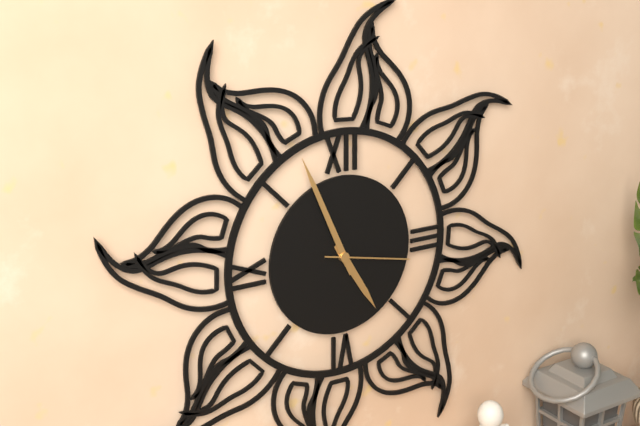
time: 4:56:17
